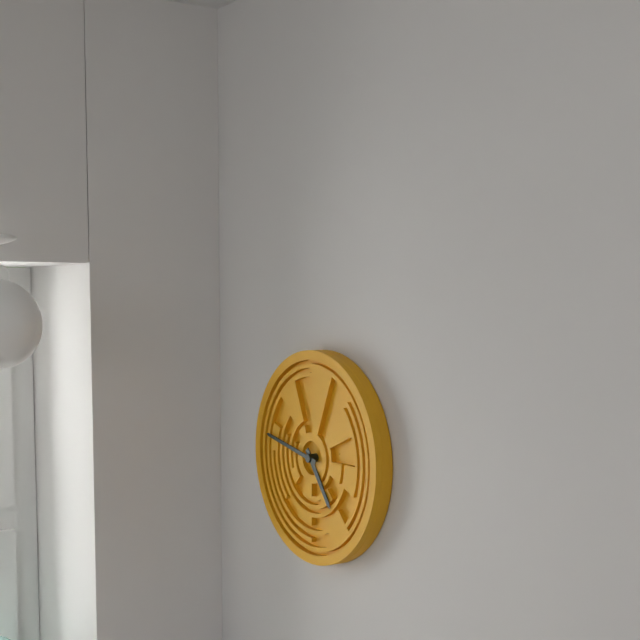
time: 4:47
